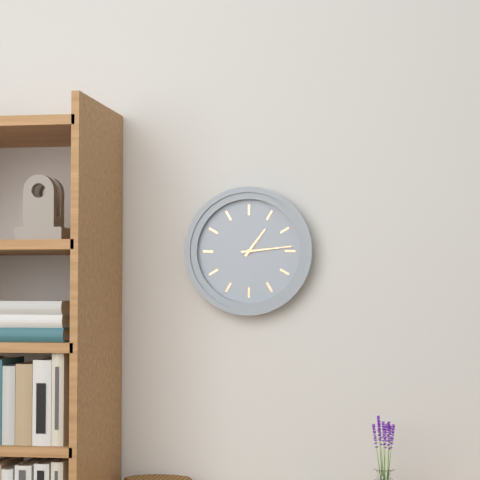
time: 1:14
